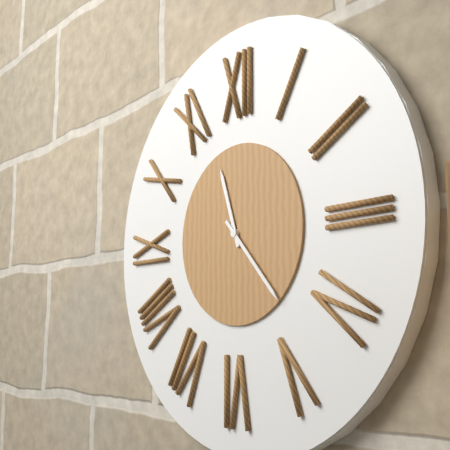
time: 11:23
